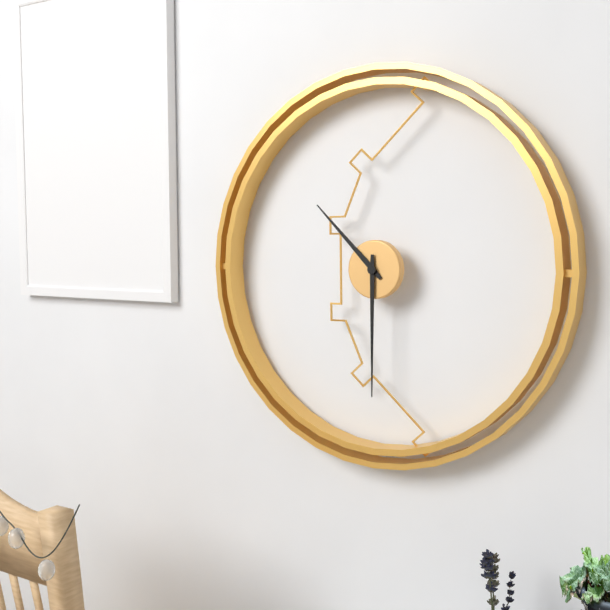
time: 10:30
